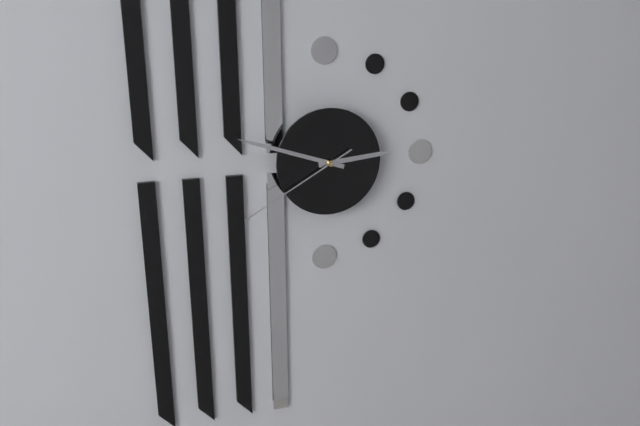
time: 2:48:40
